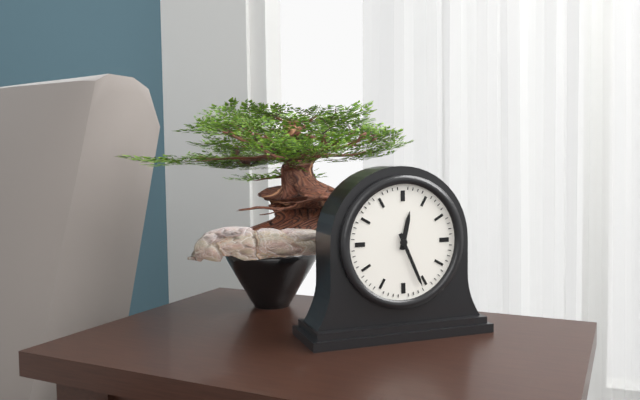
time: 12:26
